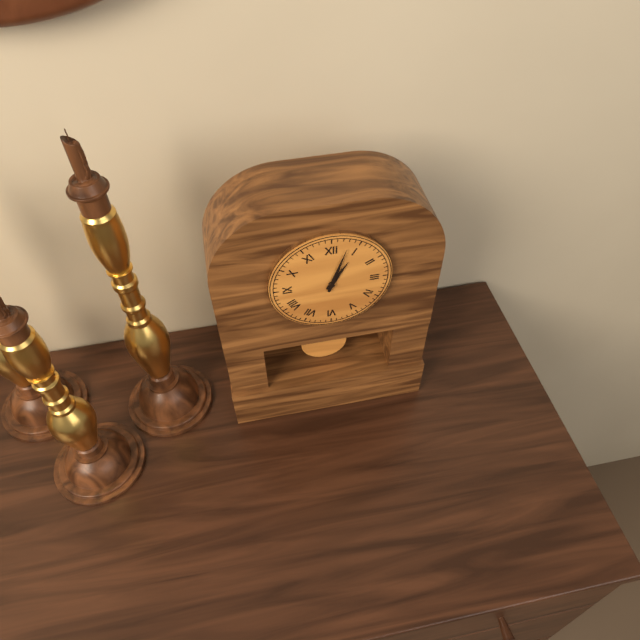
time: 1:03
